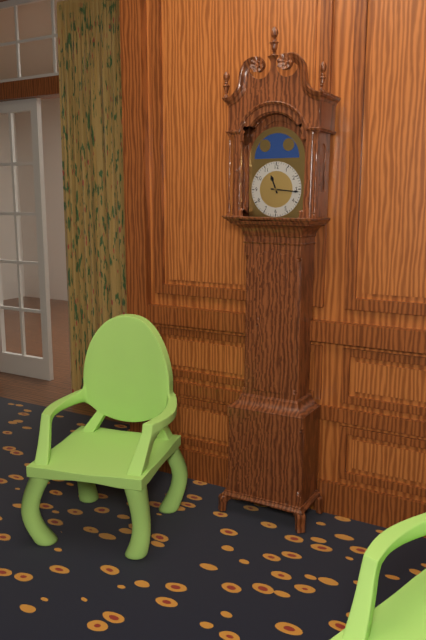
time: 11:16
